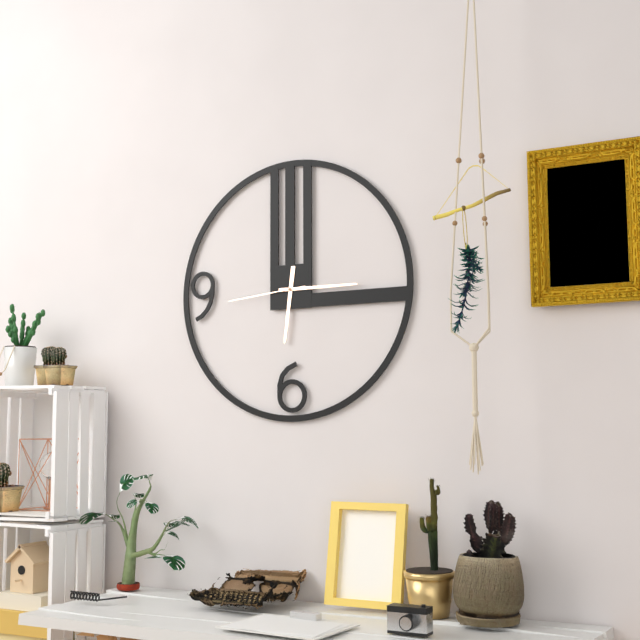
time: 6:15:44
